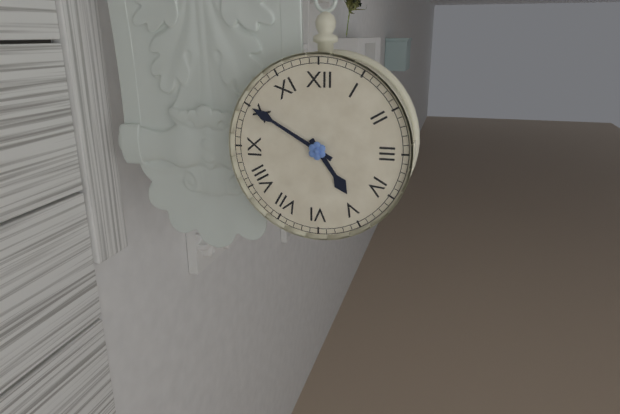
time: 4:50
